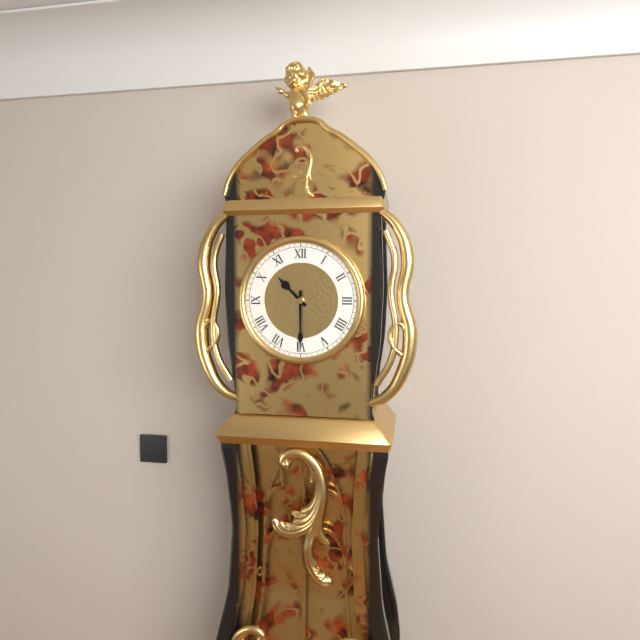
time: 10:30
